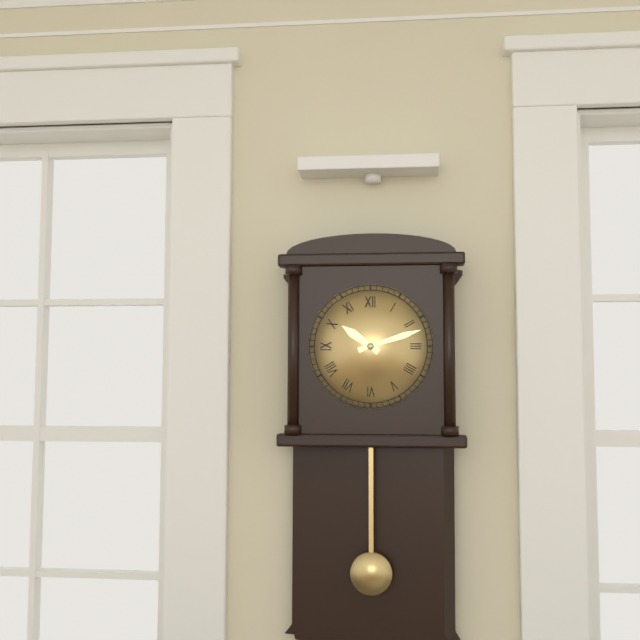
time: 10:12
